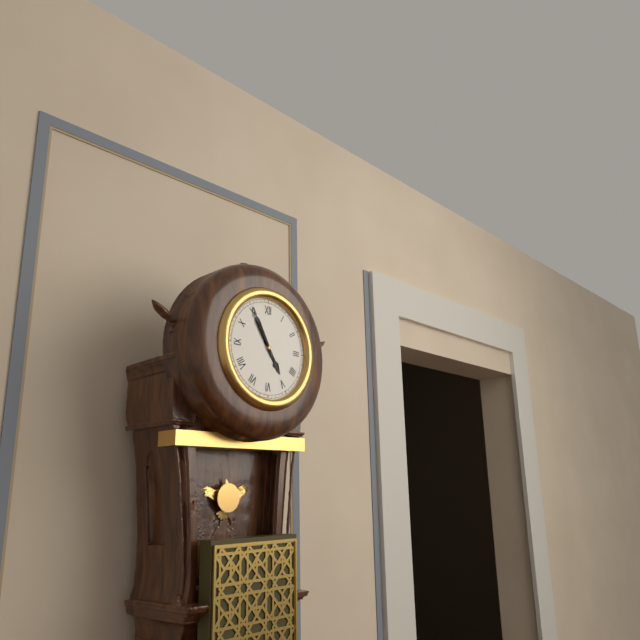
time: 4:55
